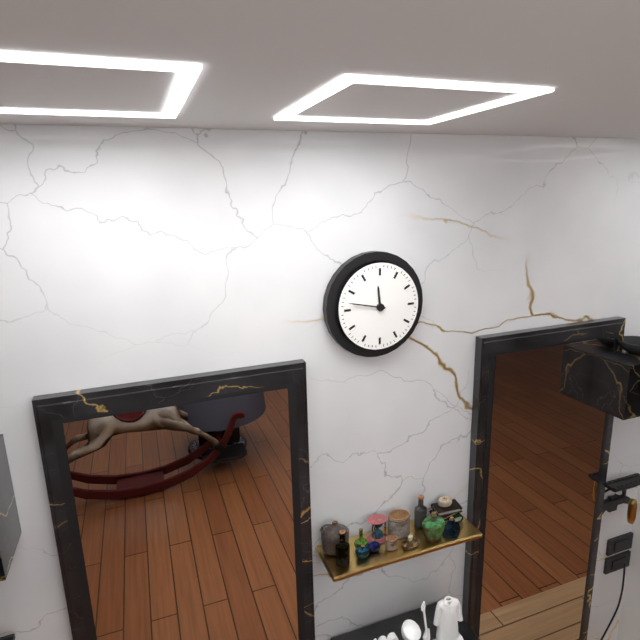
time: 11:47
